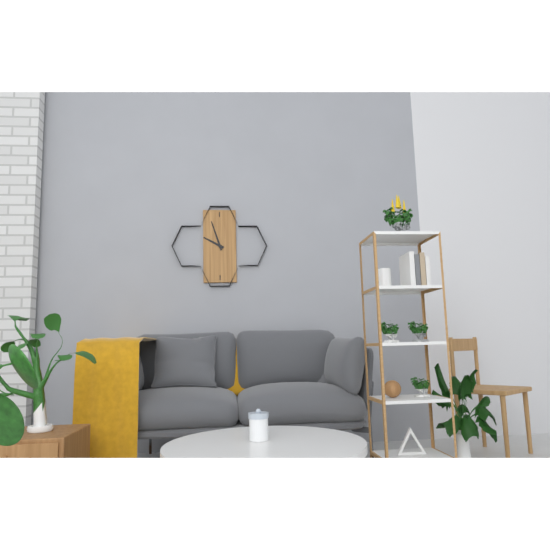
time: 9:57
